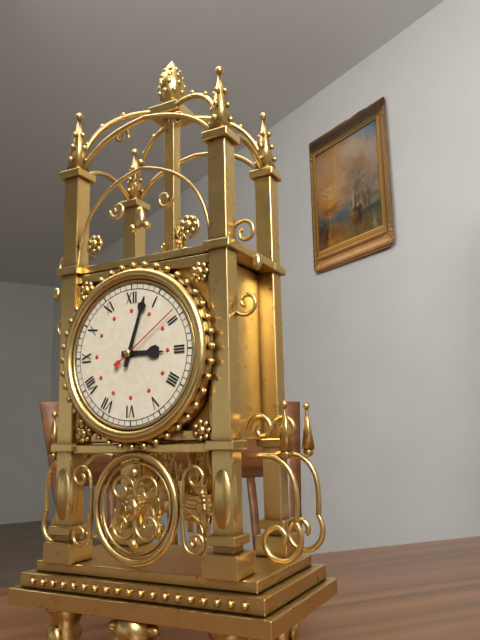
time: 3:03:09
